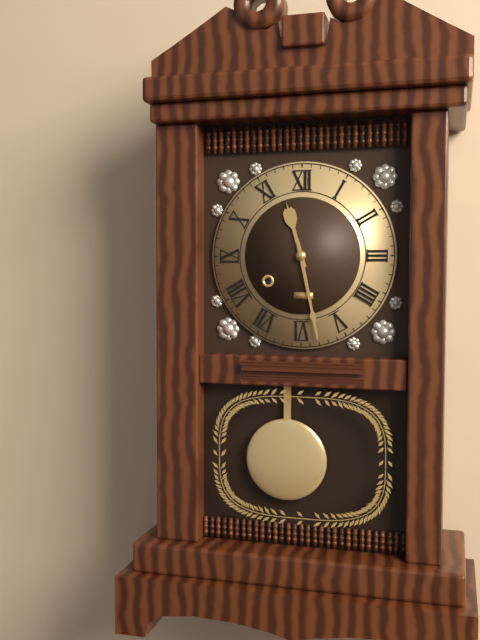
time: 11:28
